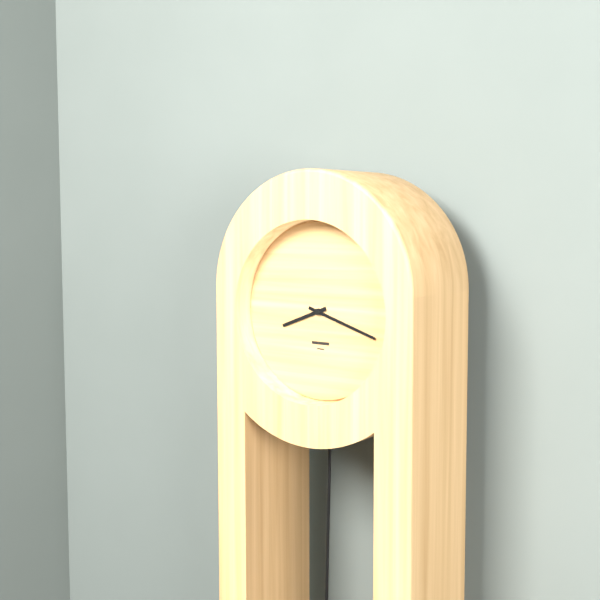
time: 8:18
